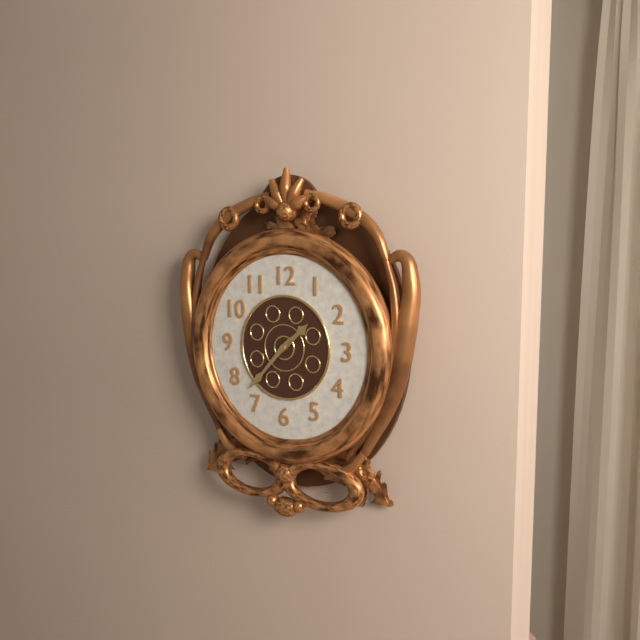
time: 1:37
